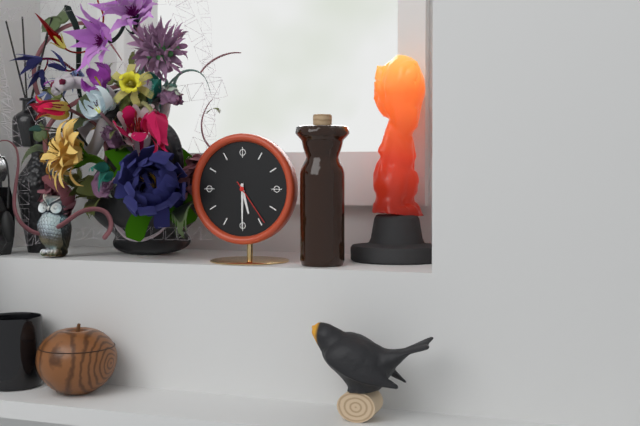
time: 5:30:24
